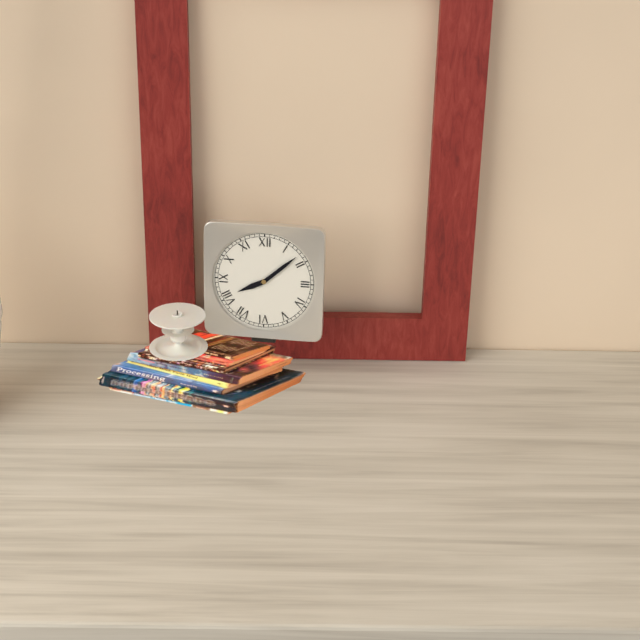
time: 8:08
